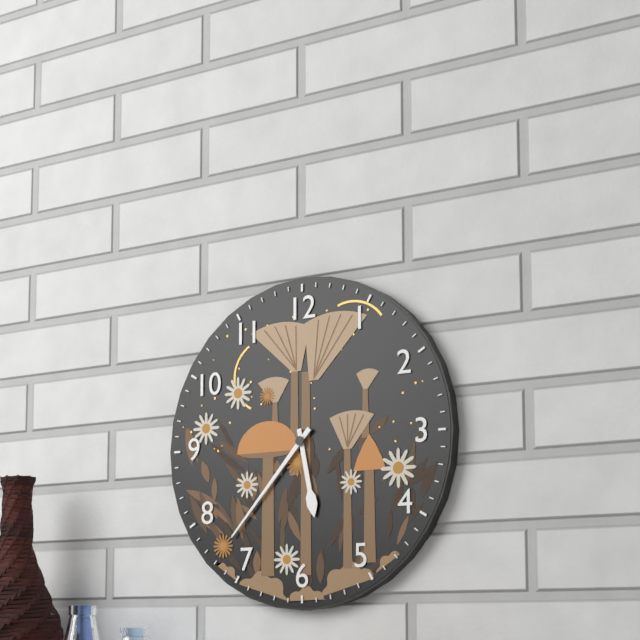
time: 5:37
